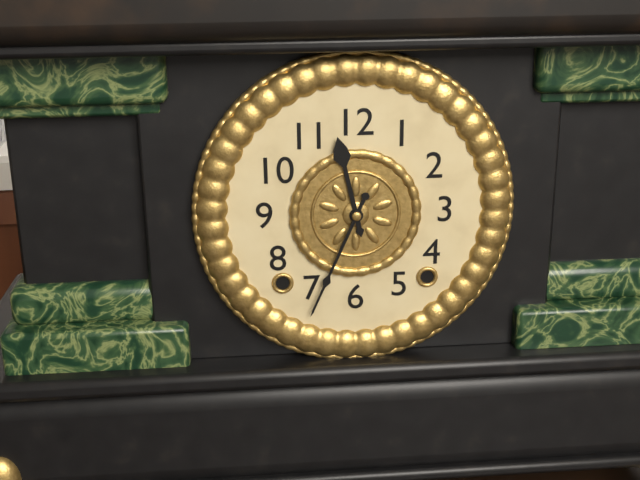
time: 11:34
